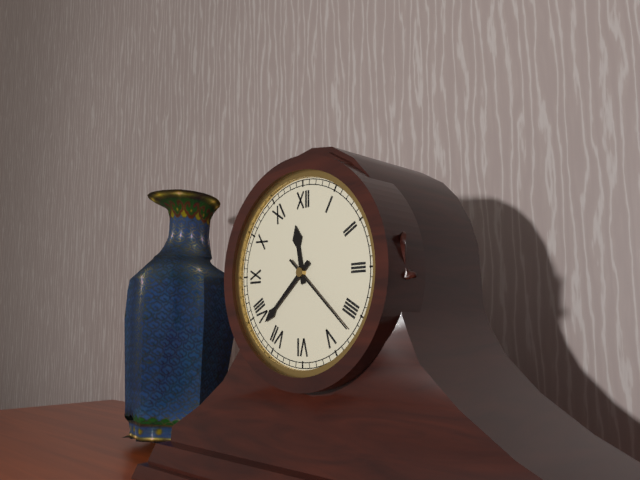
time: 11:38:22
